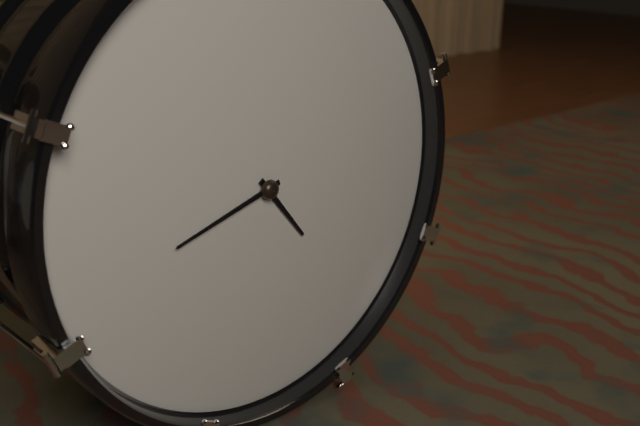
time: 4:42
